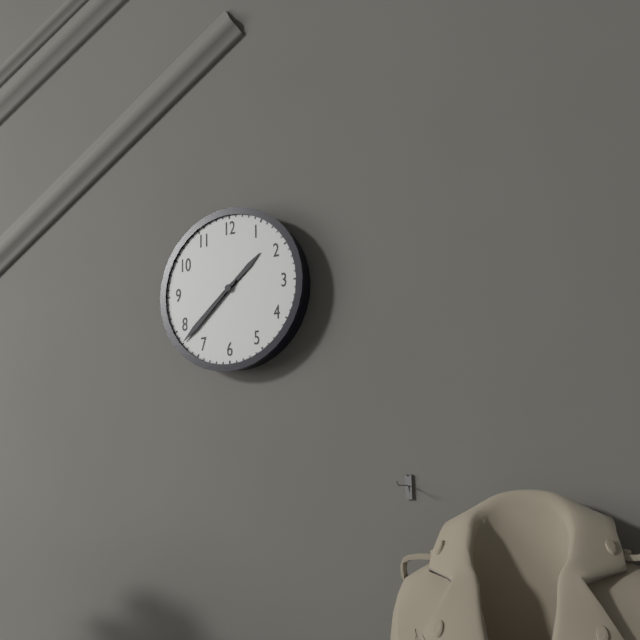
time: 1:38
